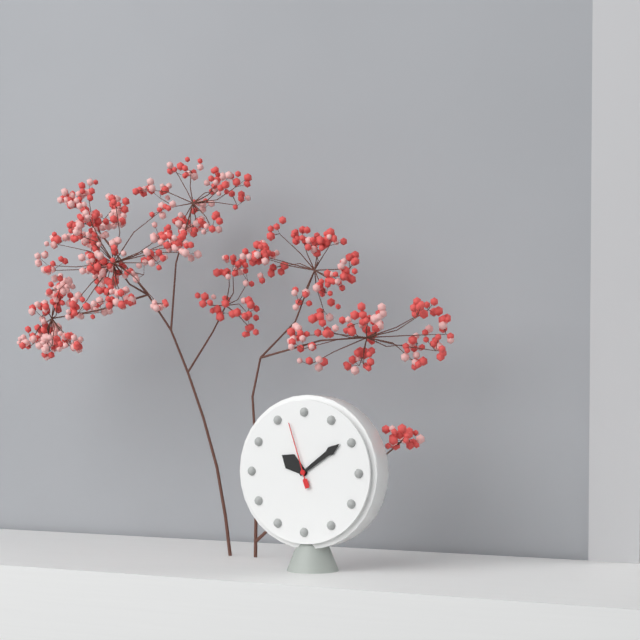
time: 10:09:57
